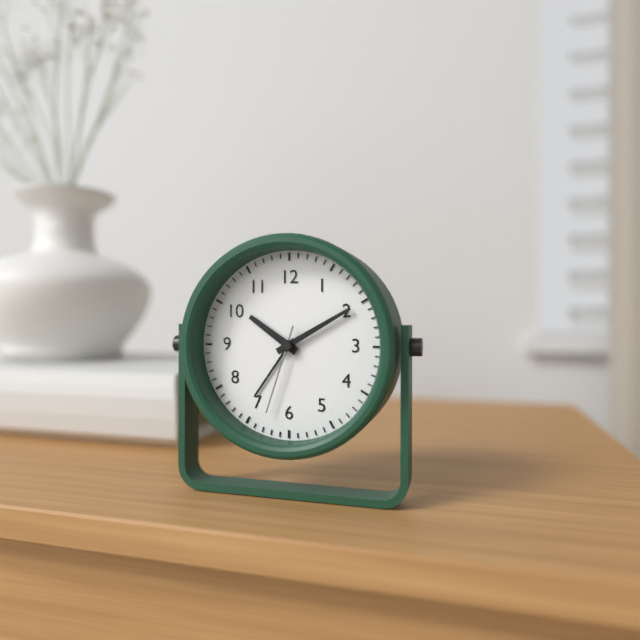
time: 10:10:33
